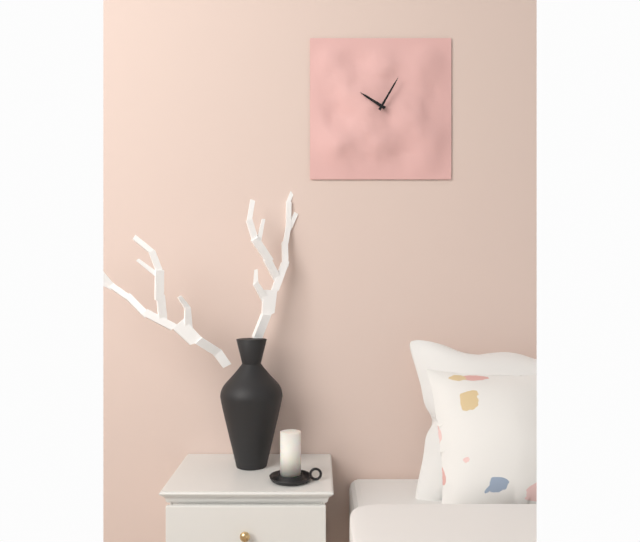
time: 10:05
